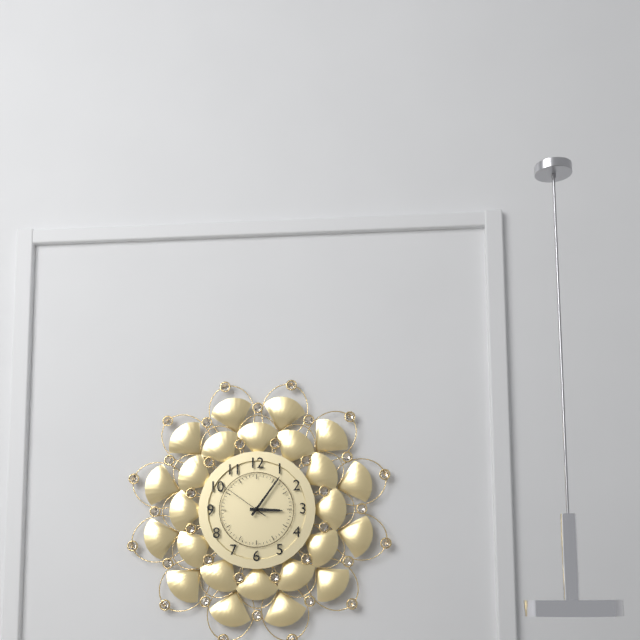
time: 3:06:51
